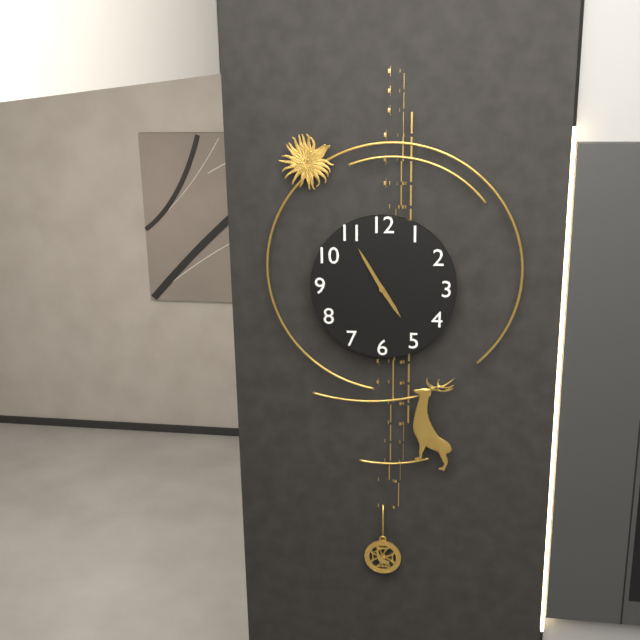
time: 4:55
